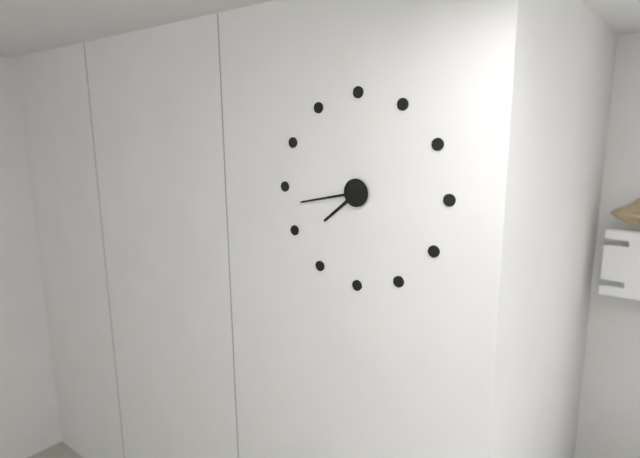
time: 7:43
